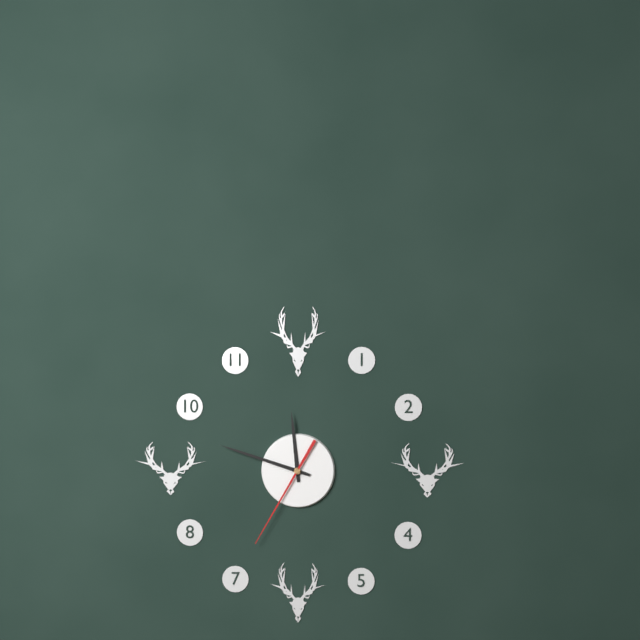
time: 11:48:35
